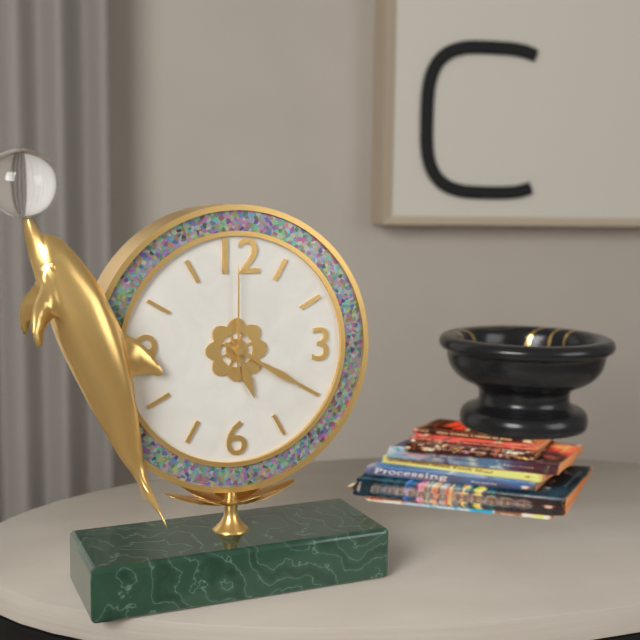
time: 5:20:00
